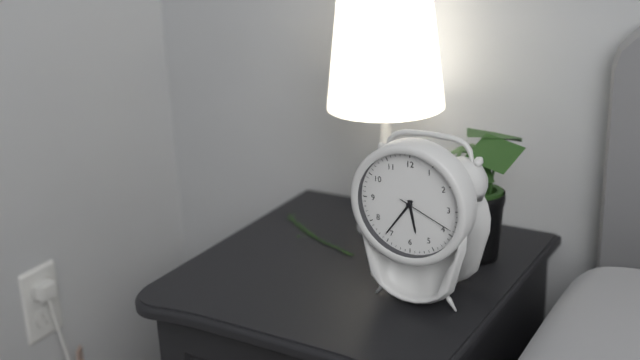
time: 5:36:19
